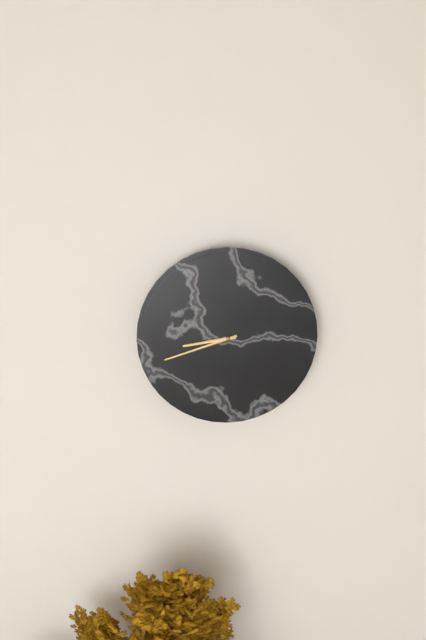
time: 8:42
